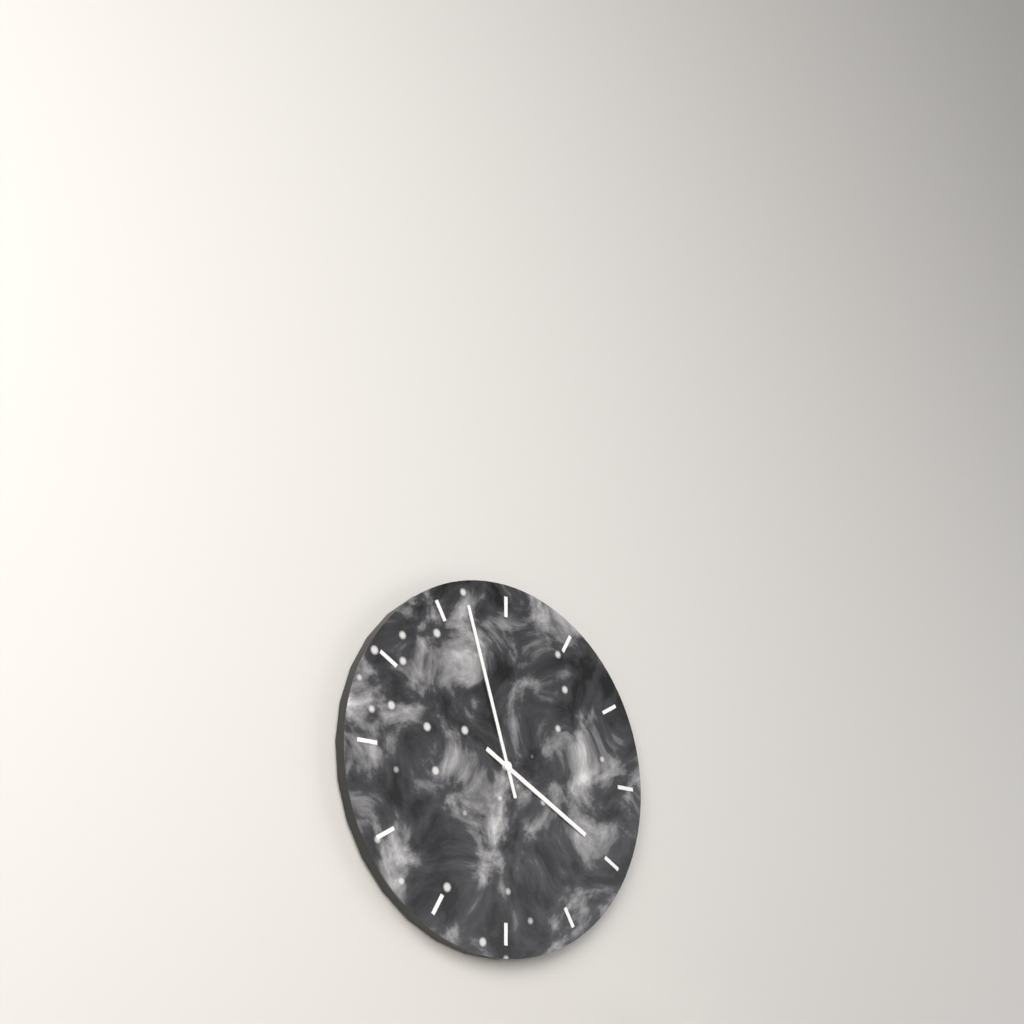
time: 3:57
